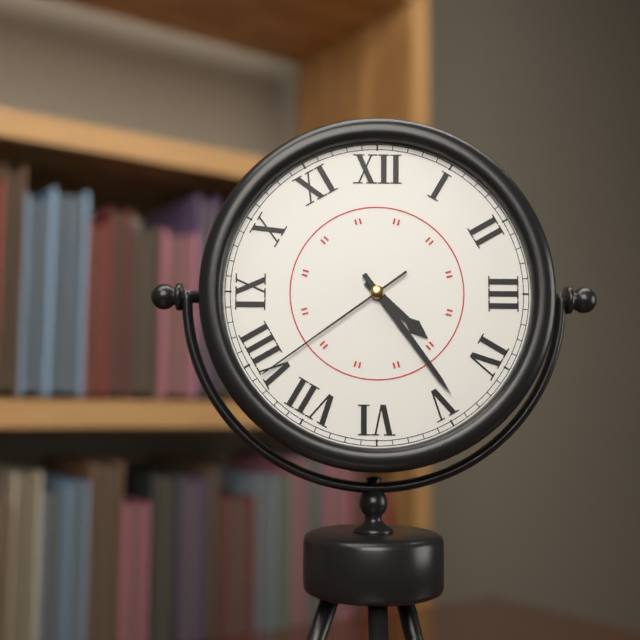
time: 4:24:39
